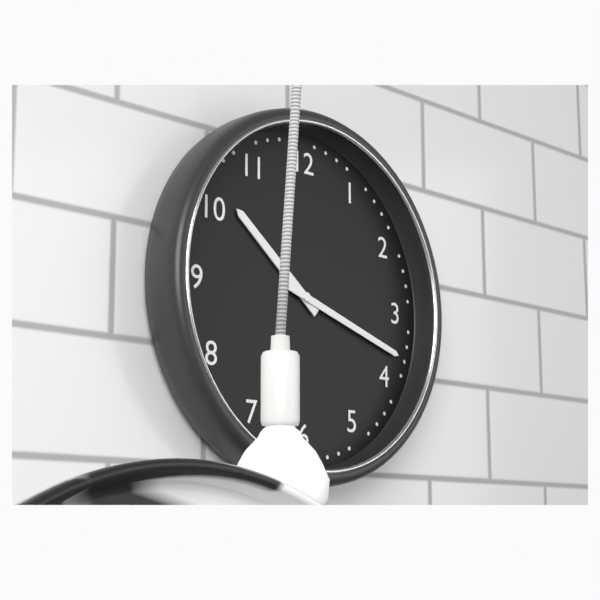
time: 10:18
